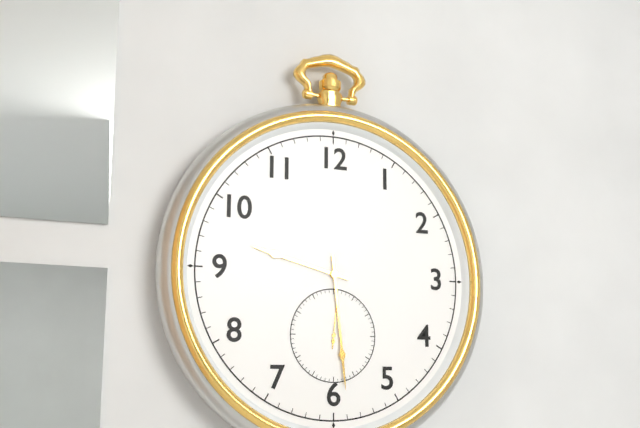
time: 9:29:01
